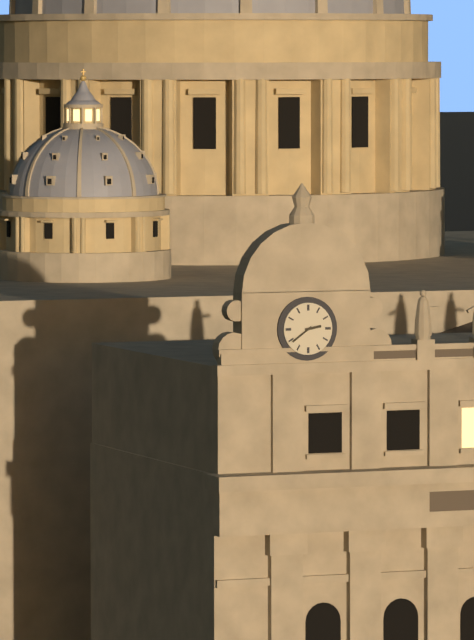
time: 2:39
